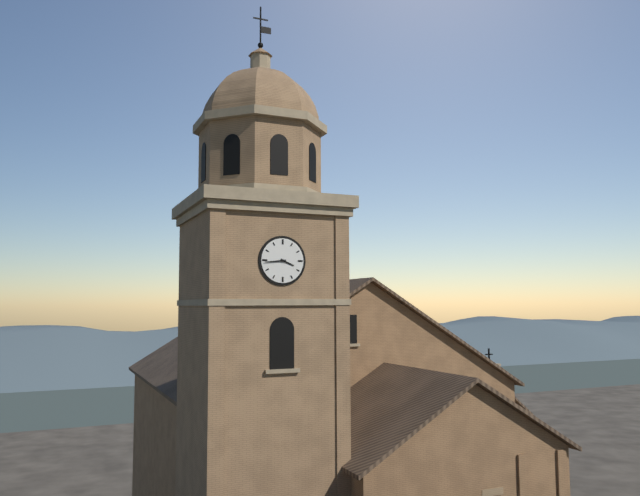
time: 3:44
